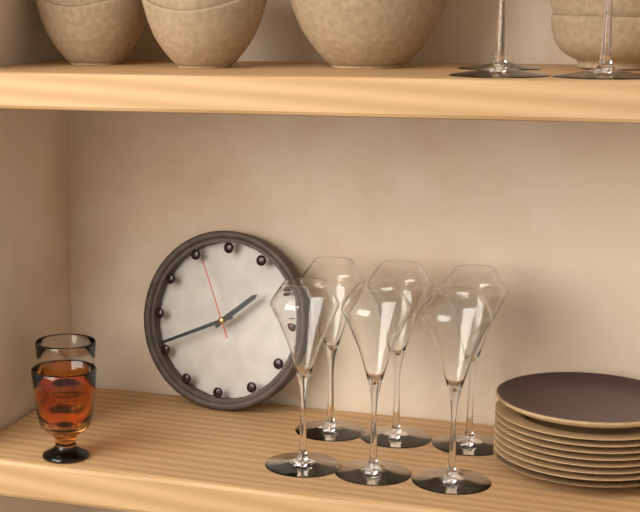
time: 1:41:56
